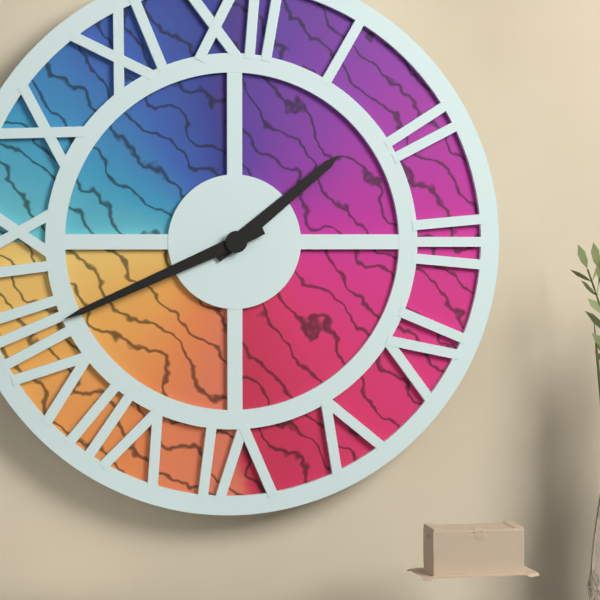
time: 1:41
